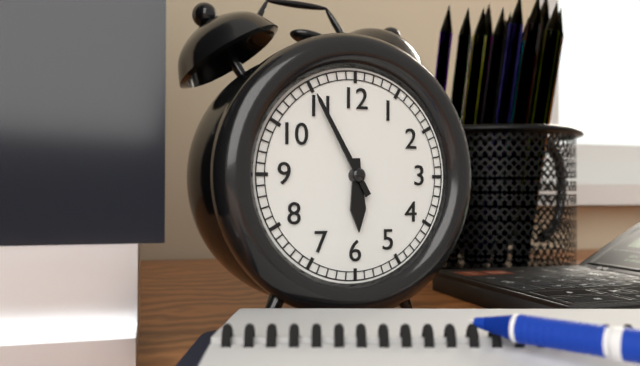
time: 5:55
